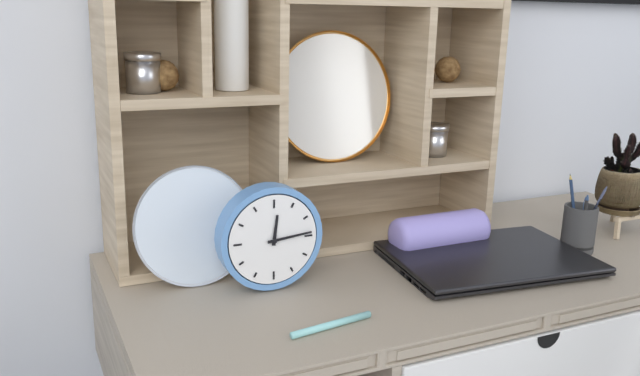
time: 12:14
